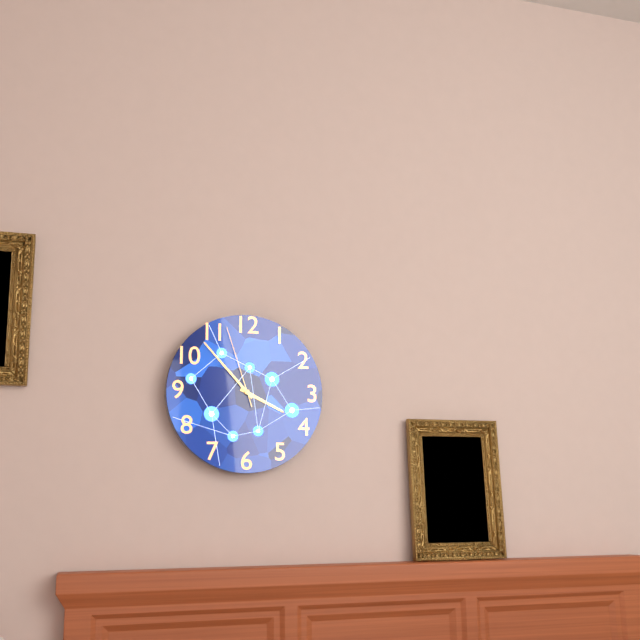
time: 3:53:57
